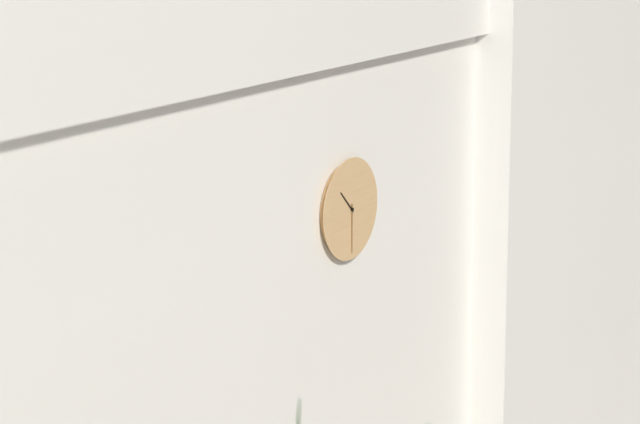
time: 10:30
